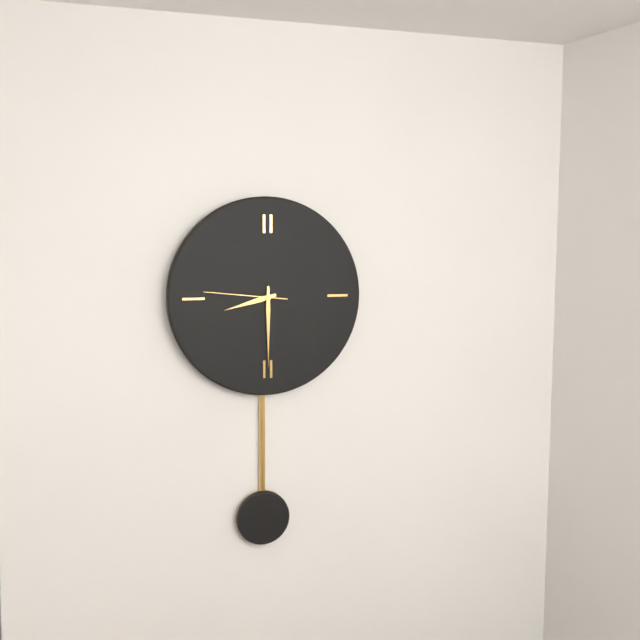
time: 8:30:46
